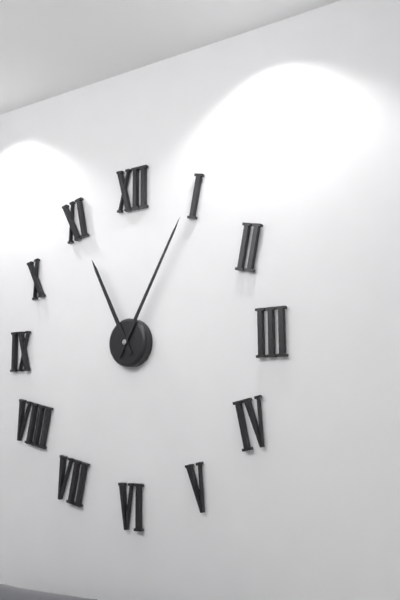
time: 11:05
